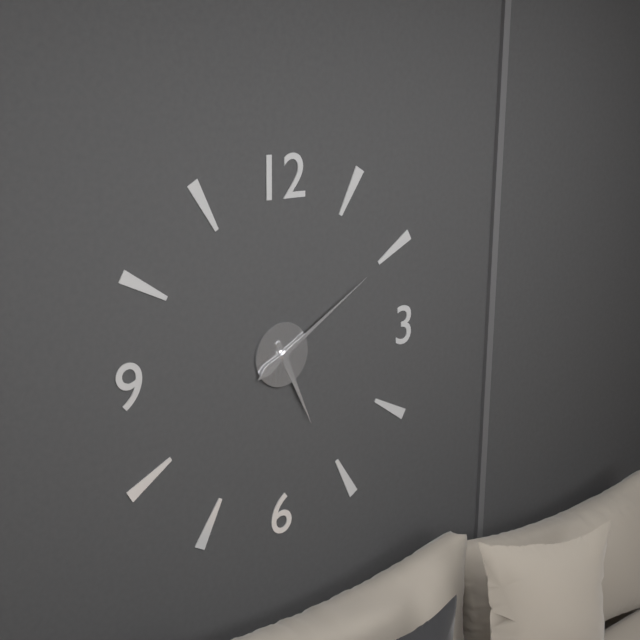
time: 5:10
